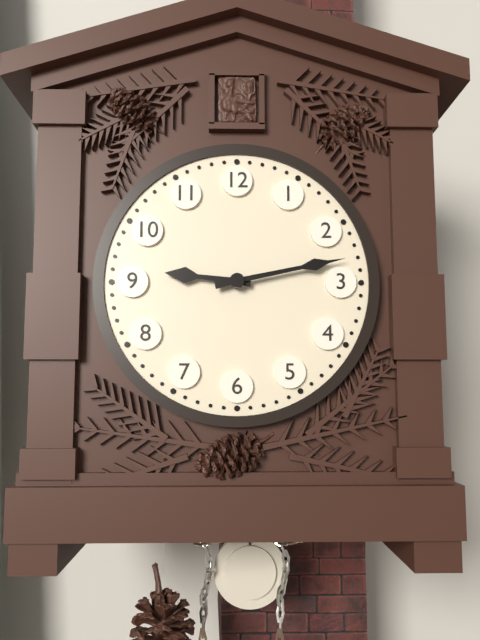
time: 9:13
